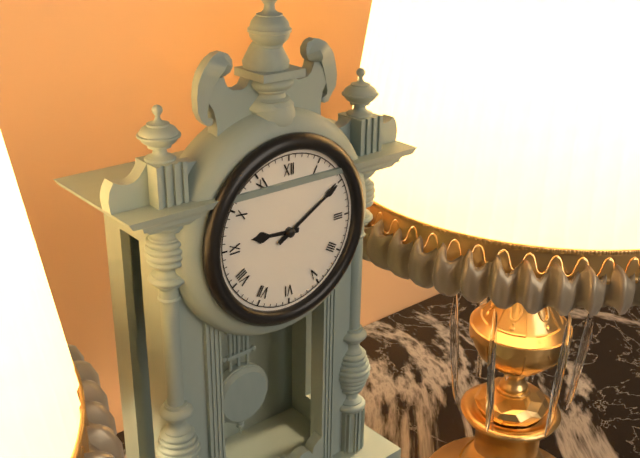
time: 9:10
